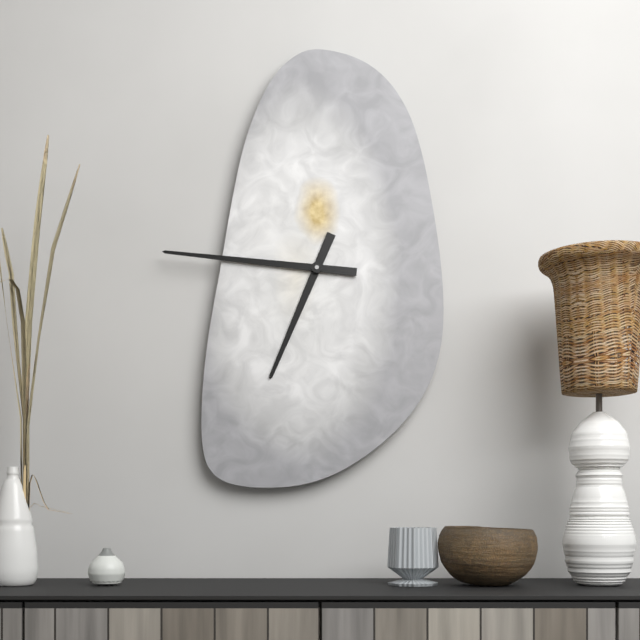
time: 6:46
